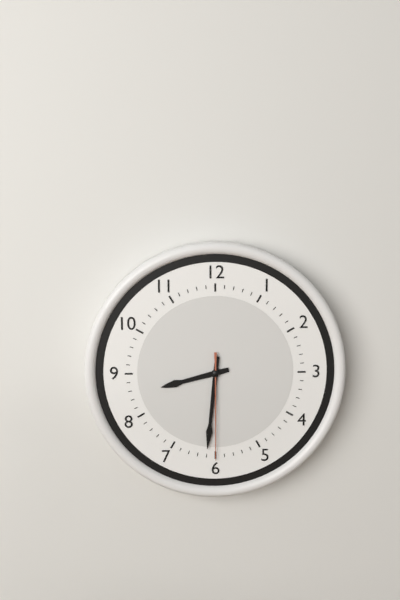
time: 8:31:30
